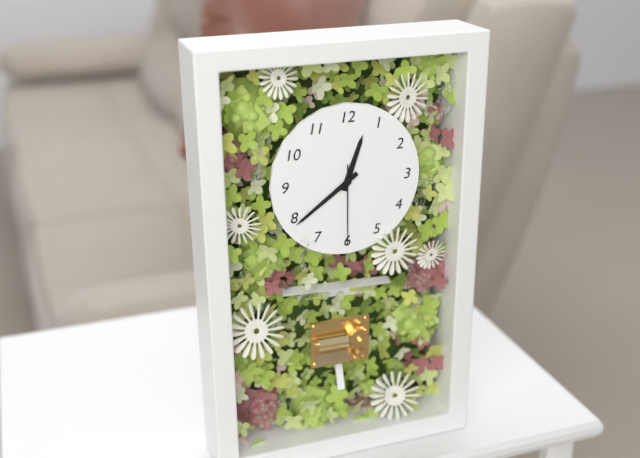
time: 12:39:30
